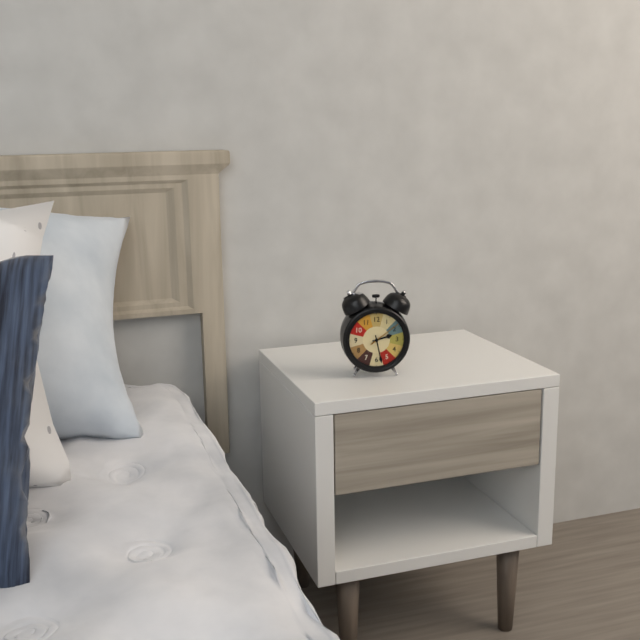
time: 2:28
